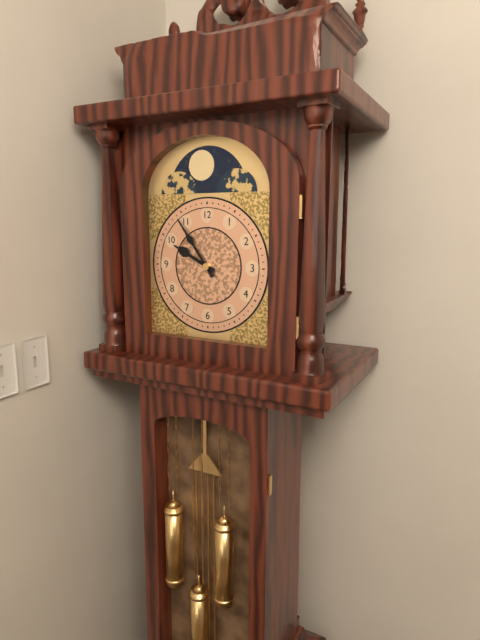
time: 9:54
